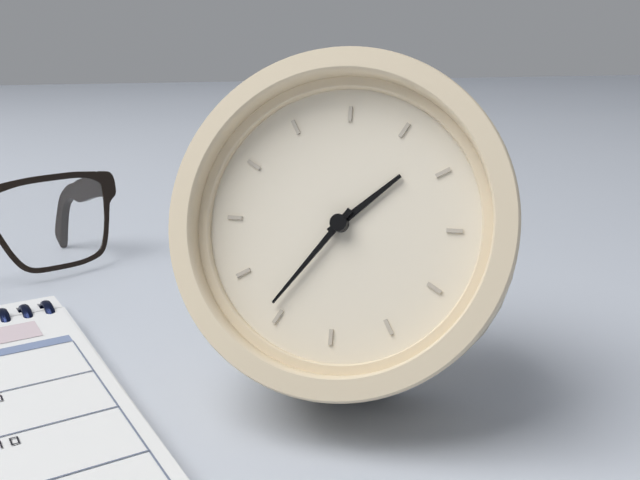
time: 1:36
